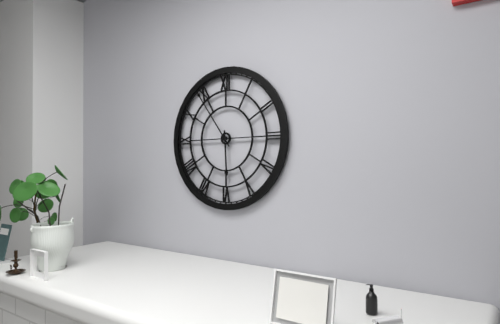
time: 5:54
